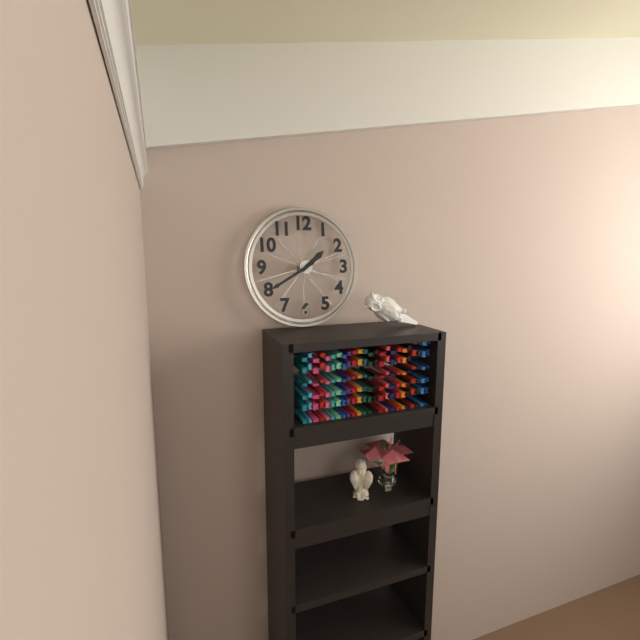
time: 1:40
